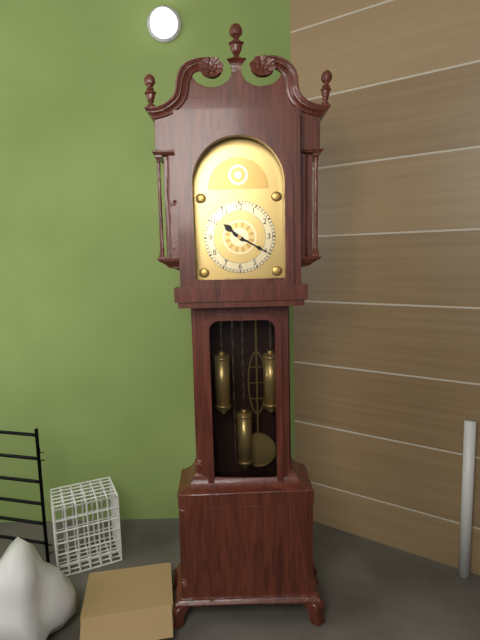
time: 10:20
